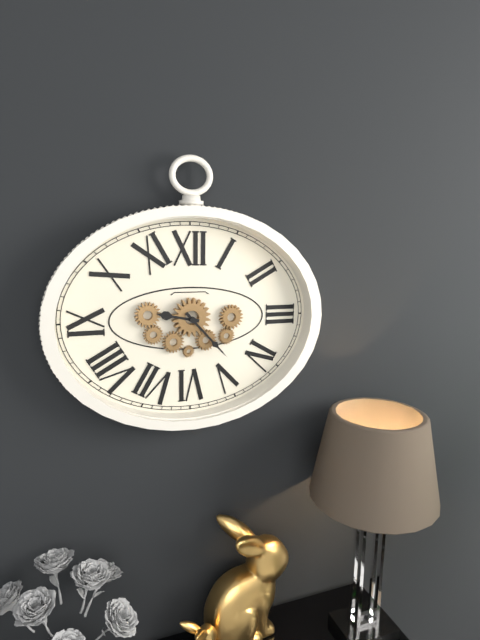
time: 9:23
